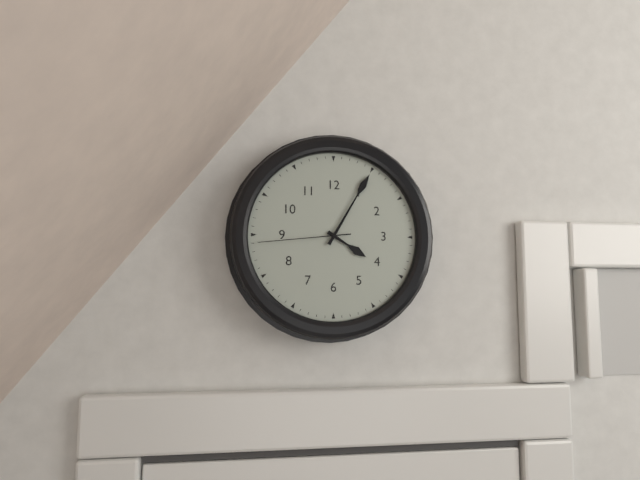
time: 4:05:44
